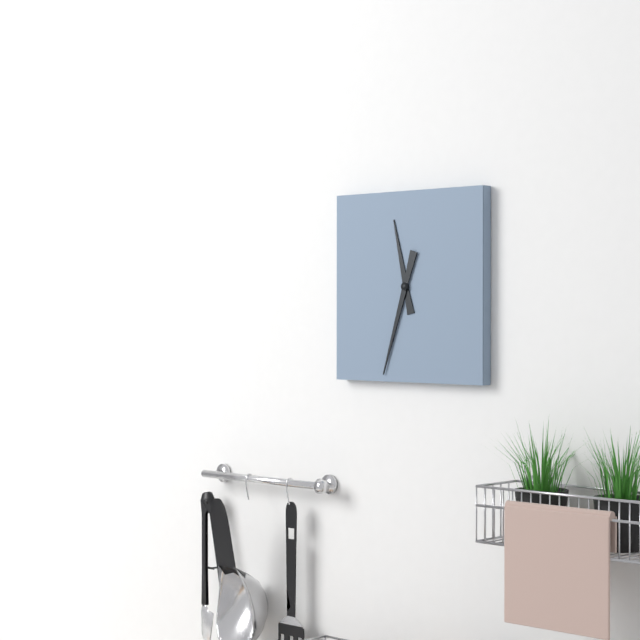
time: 11:33
